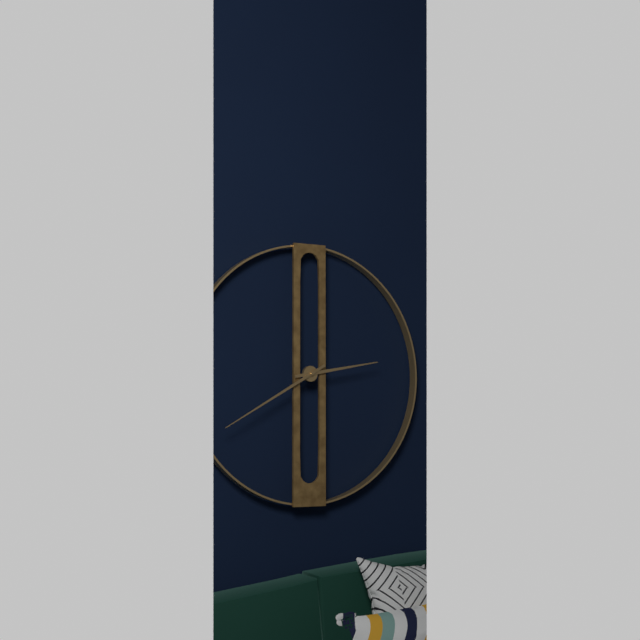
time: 2:40
